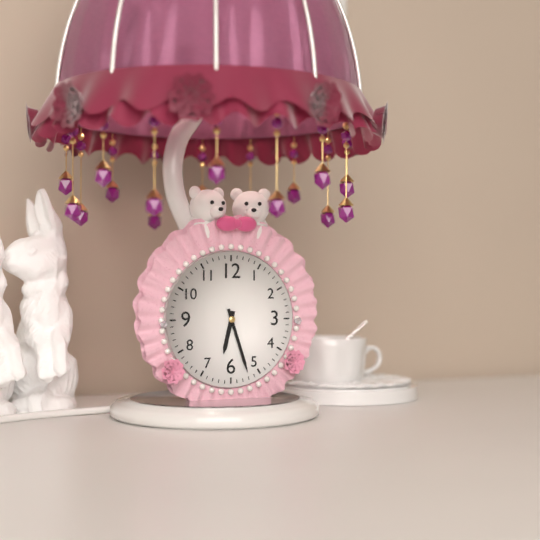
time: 6:27
